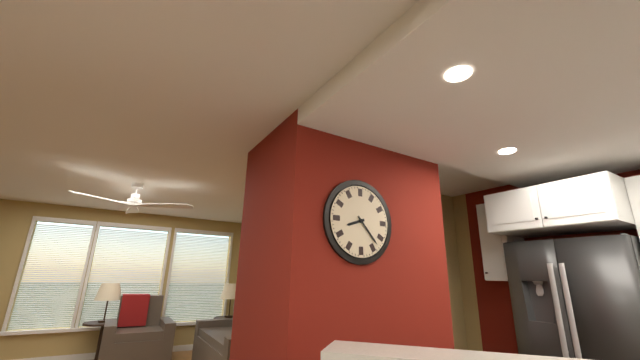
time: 8:23
